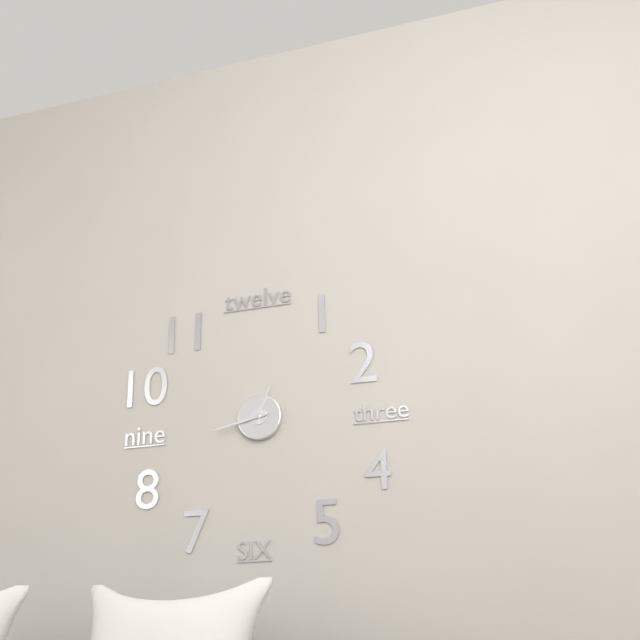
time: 12:43
